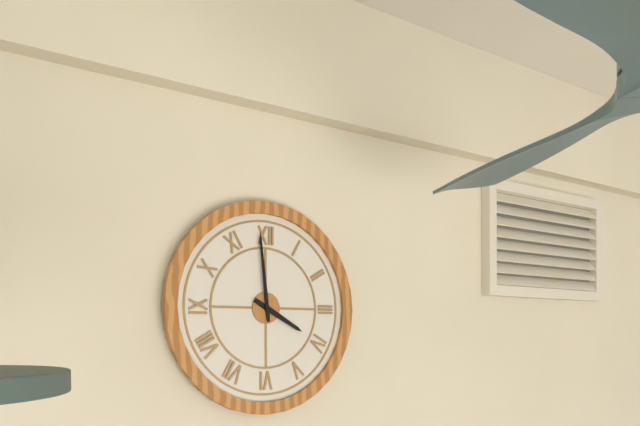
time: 3:59
